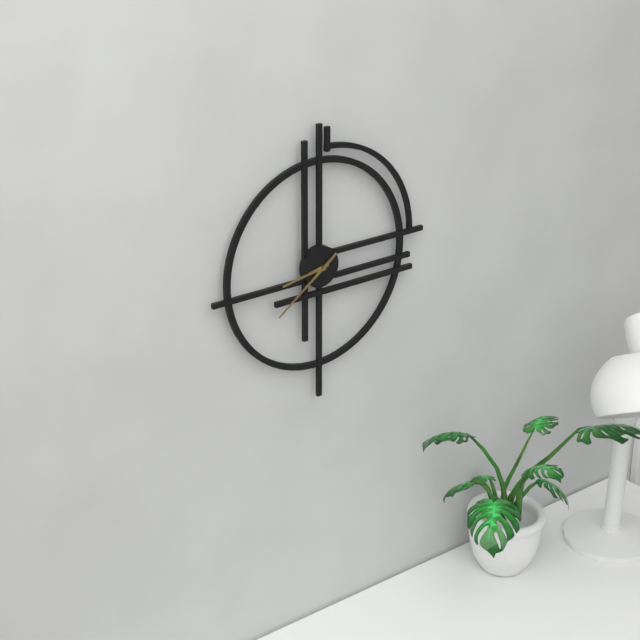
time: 8:39
